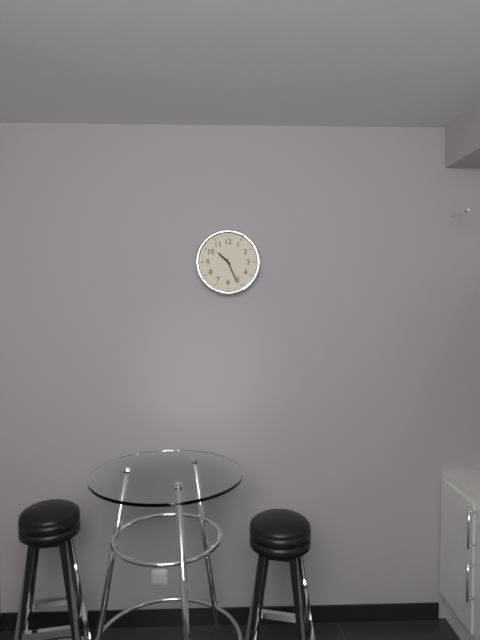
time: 10:26
